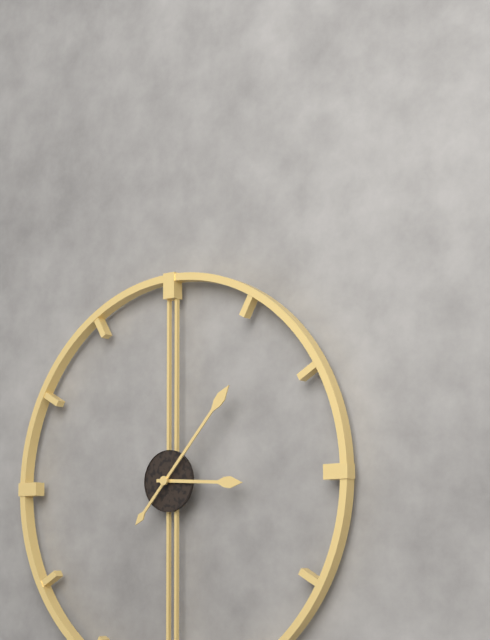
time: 3:07
